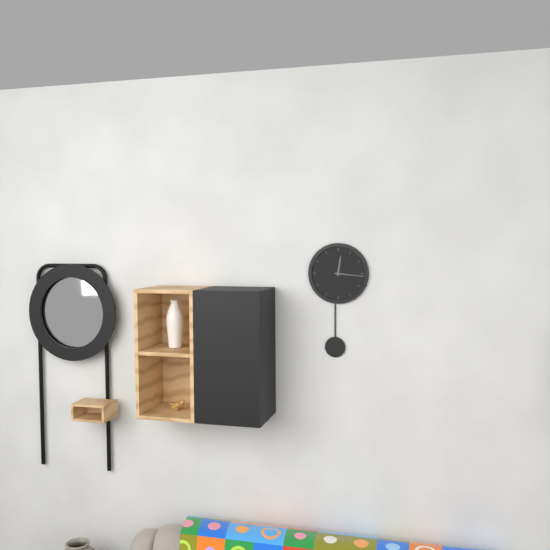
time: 12:16
